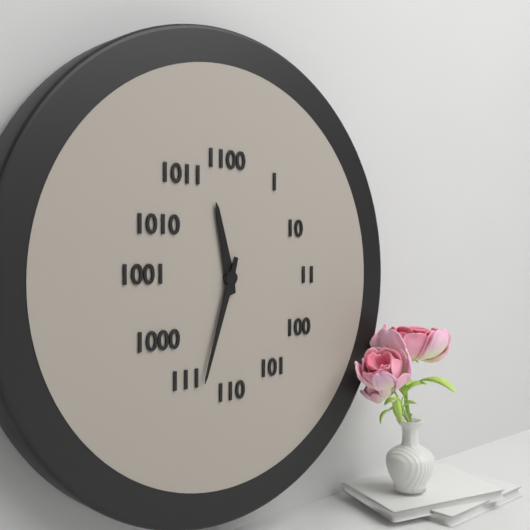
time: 11:33
